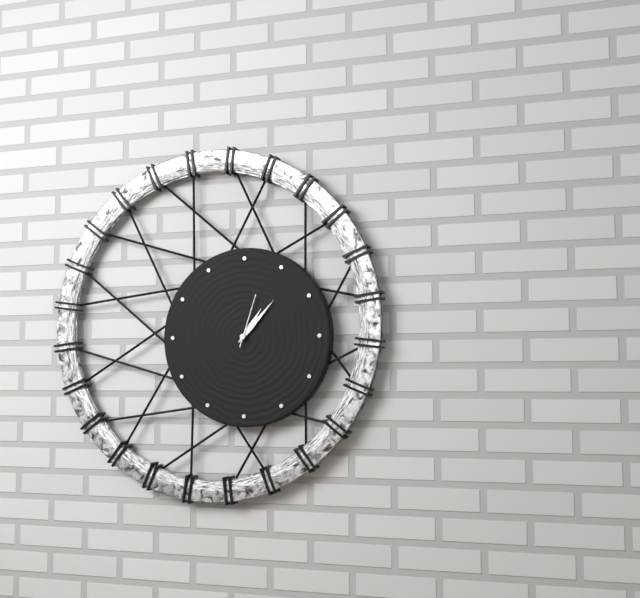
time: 1:07:03
